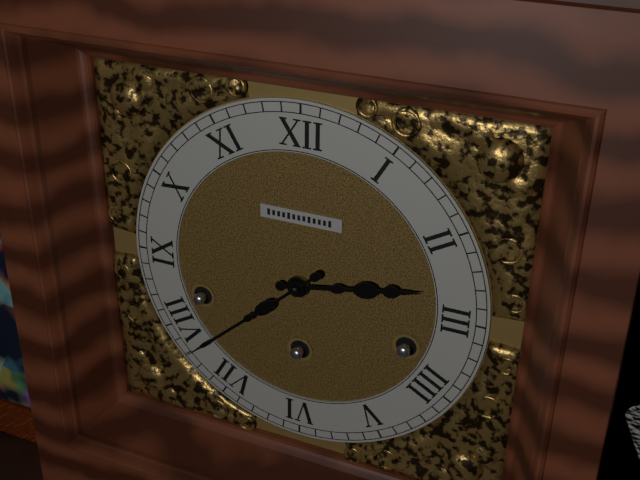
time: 2:38
